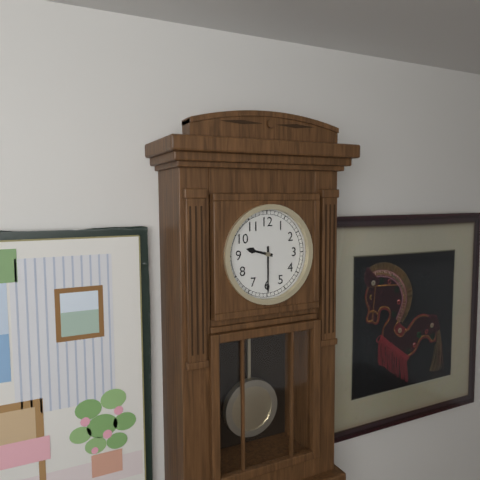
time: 9:30
